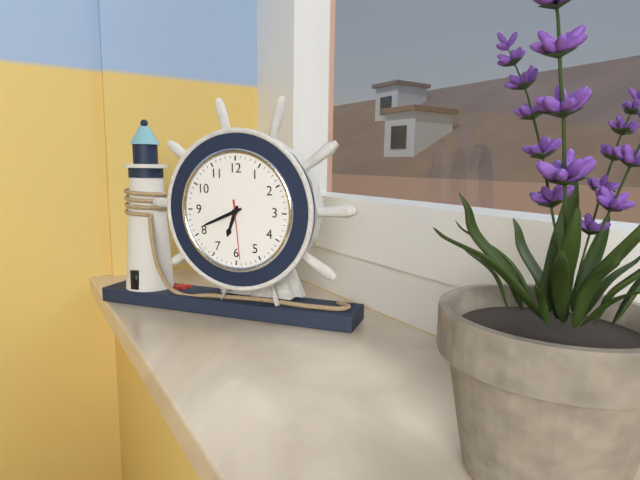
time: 6:41:29
